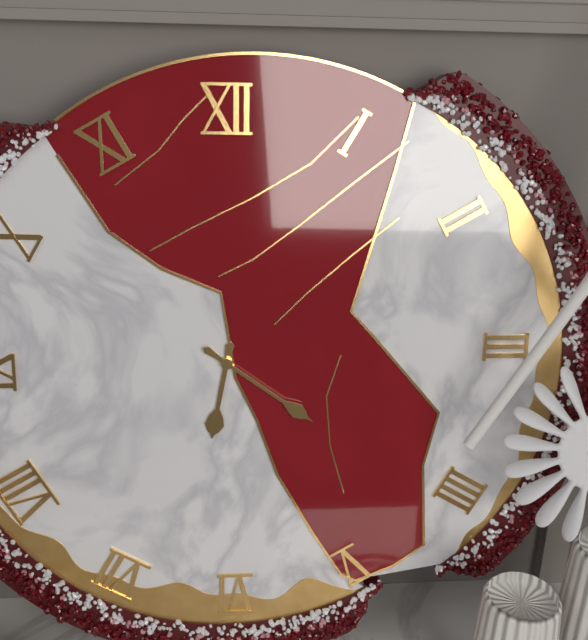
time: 6:21
